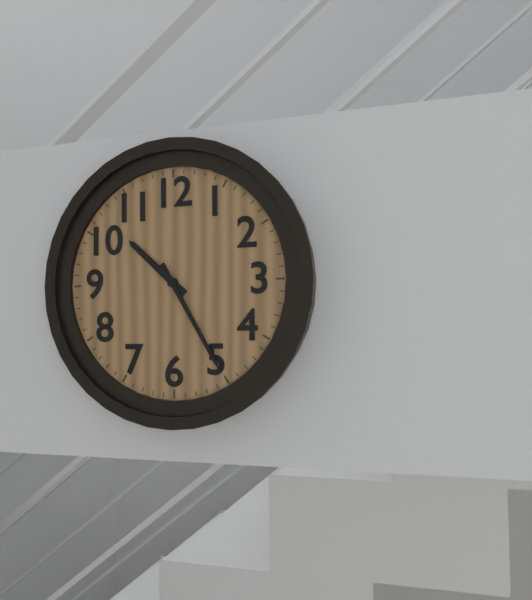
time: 10:25
